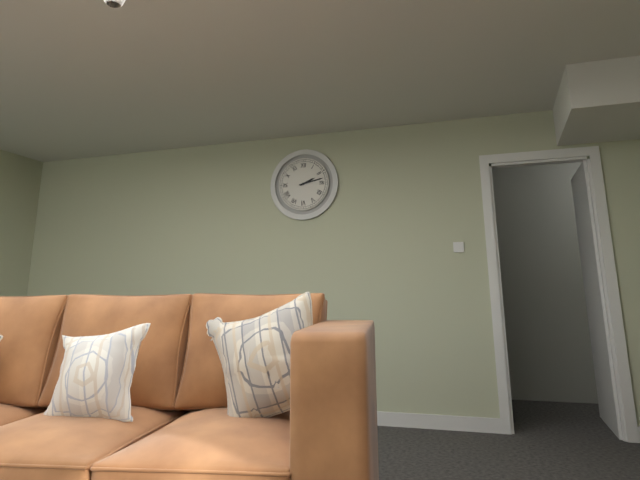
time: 2:13
